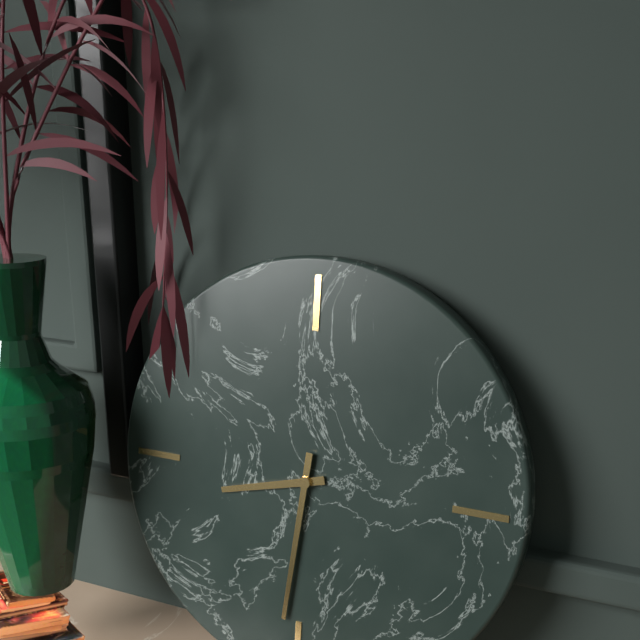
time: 8:31
